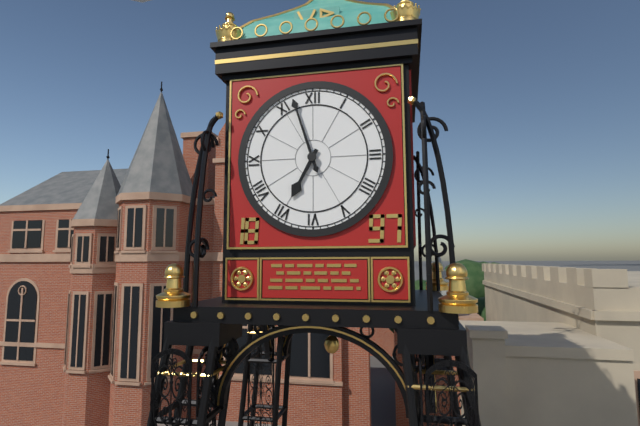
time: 6:57
